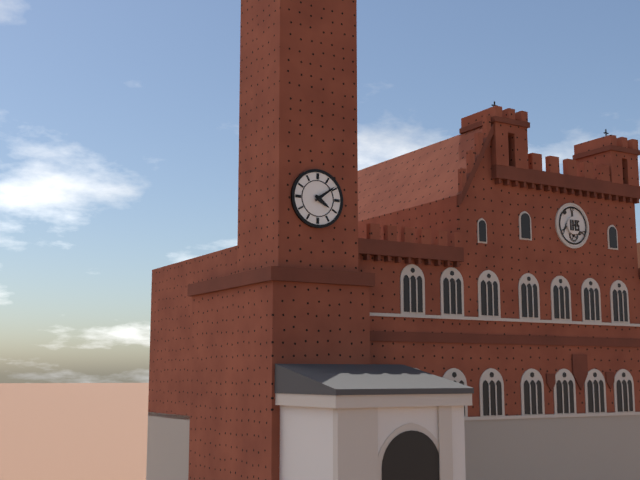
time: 4:09
